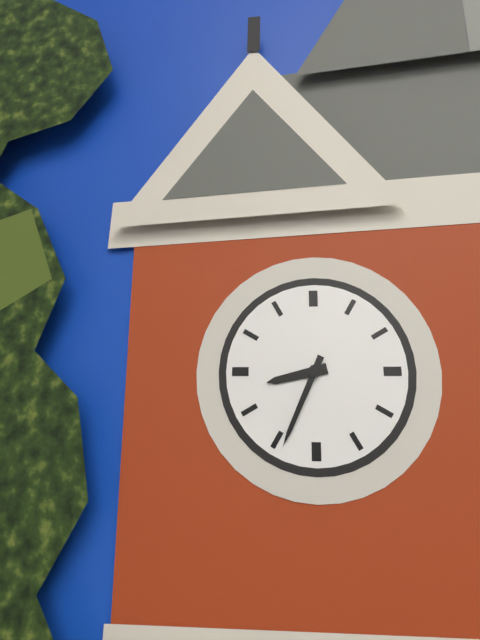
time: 8:34
